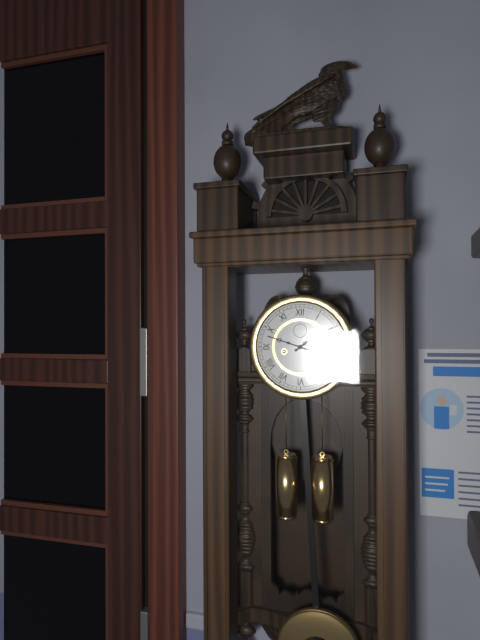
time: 1:48
